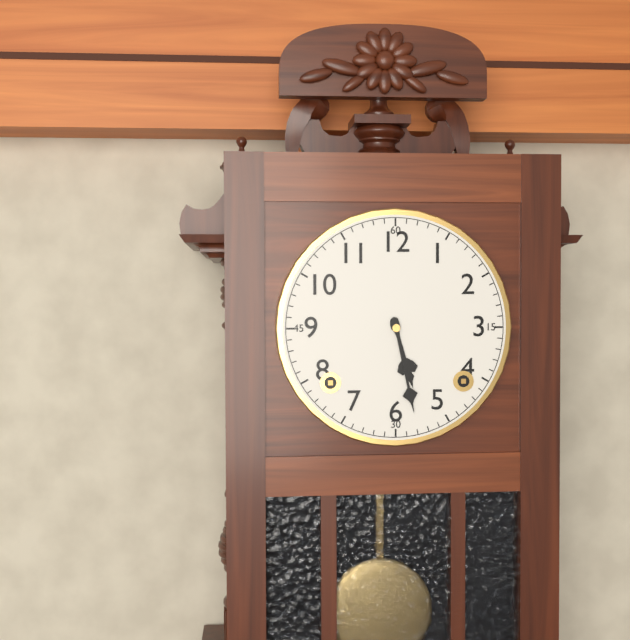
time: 5:28
